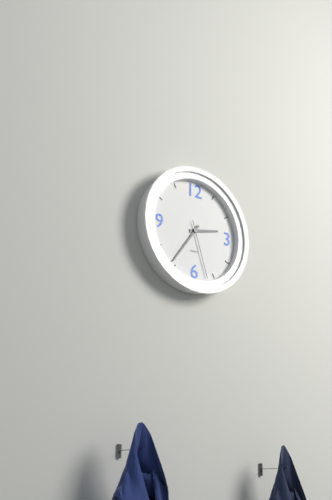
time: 2:36:27
